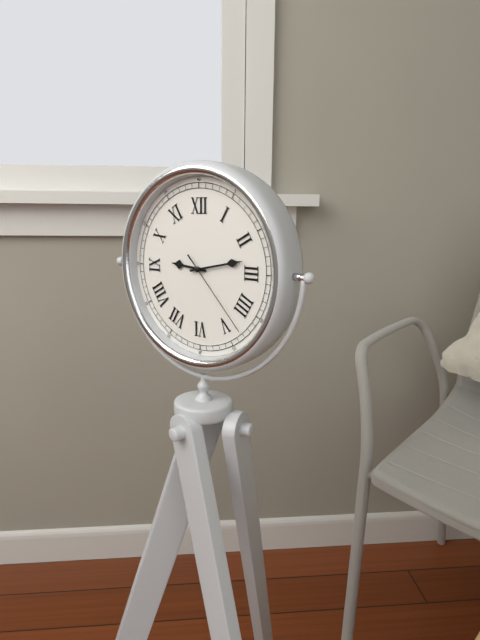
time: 9:13:23
